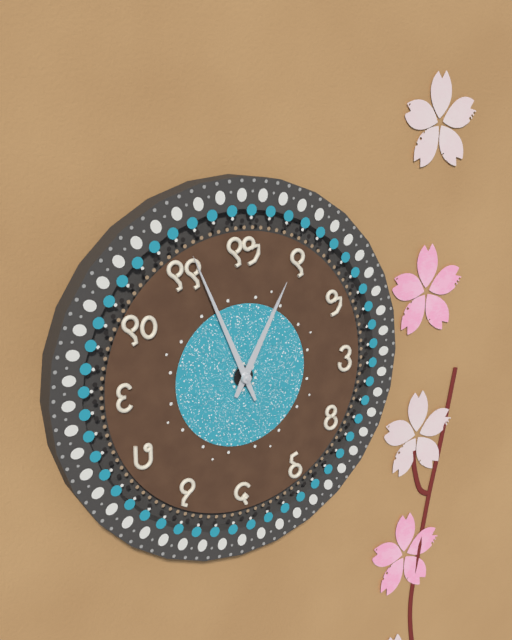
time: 12:56
